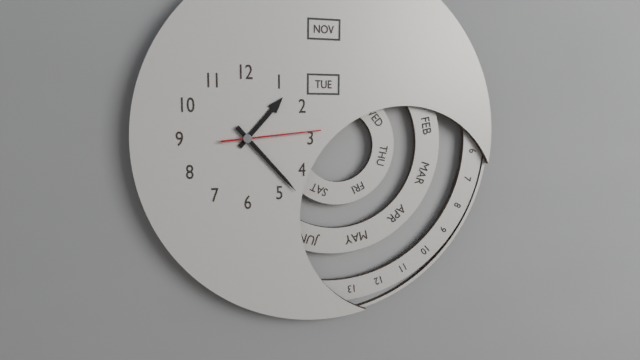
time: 1:23:14
